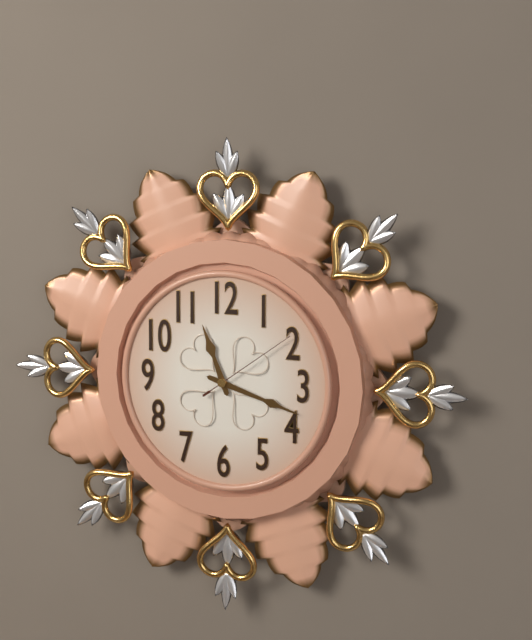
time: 11:18:09
